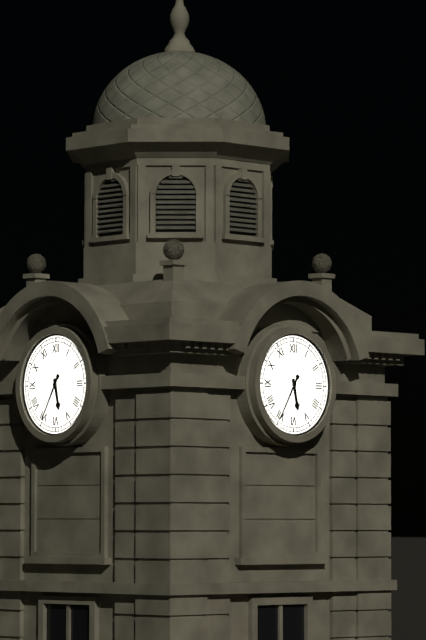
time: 5:35
